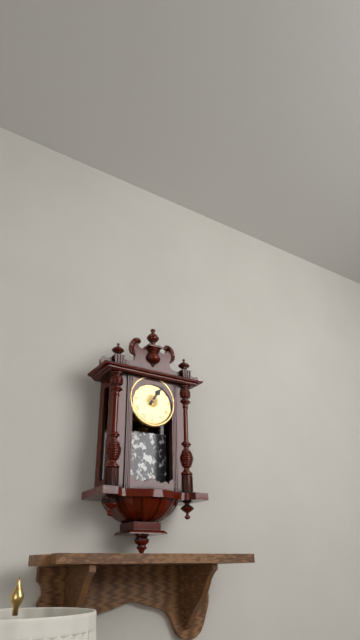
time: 1:06
